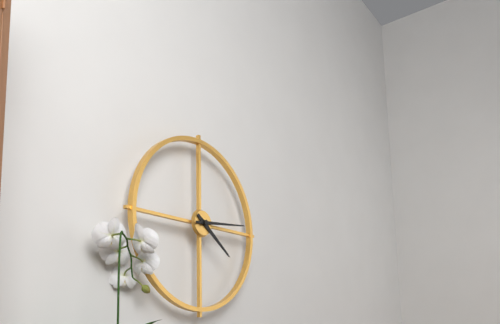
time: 4:14
